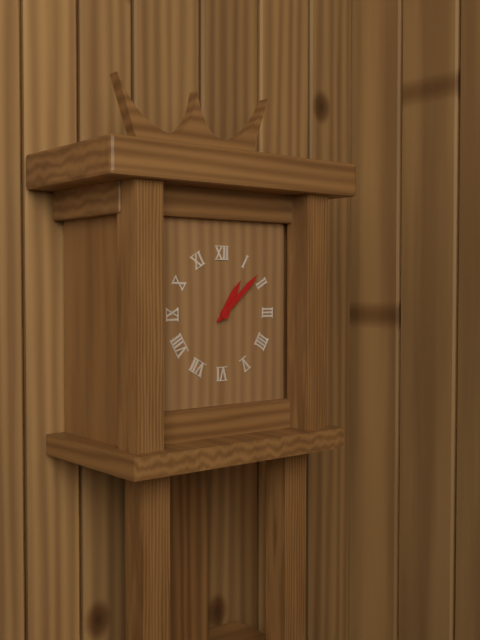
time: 1:08
